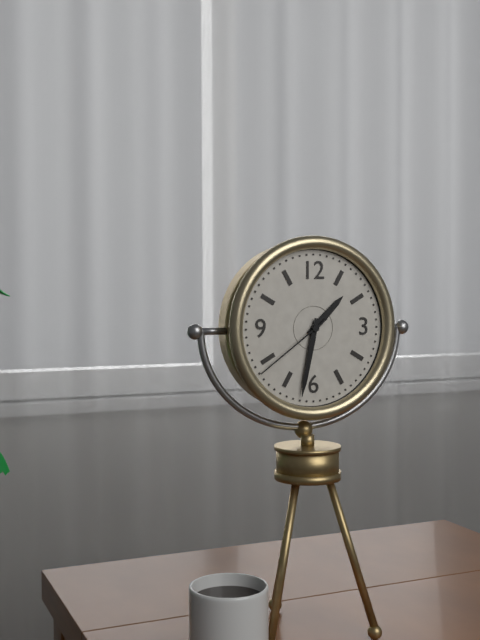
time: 1:32:39
